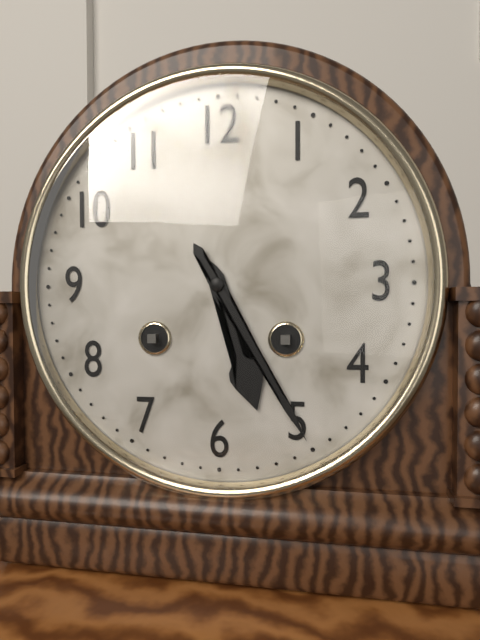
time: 5:25
